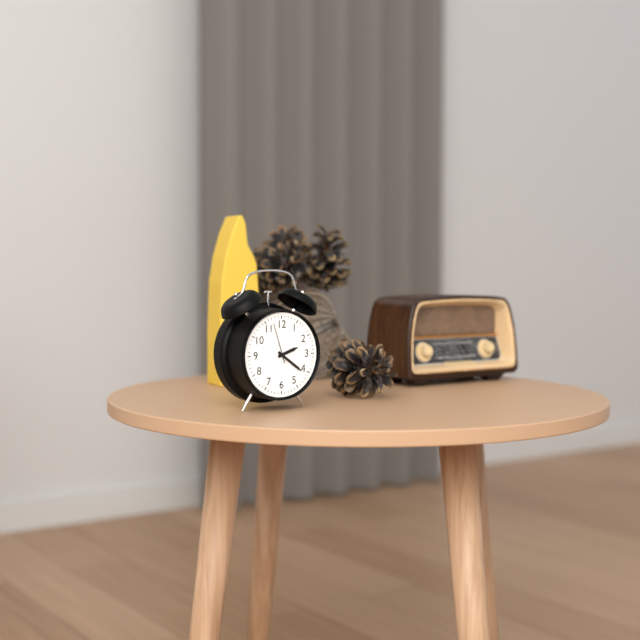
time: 2:21
